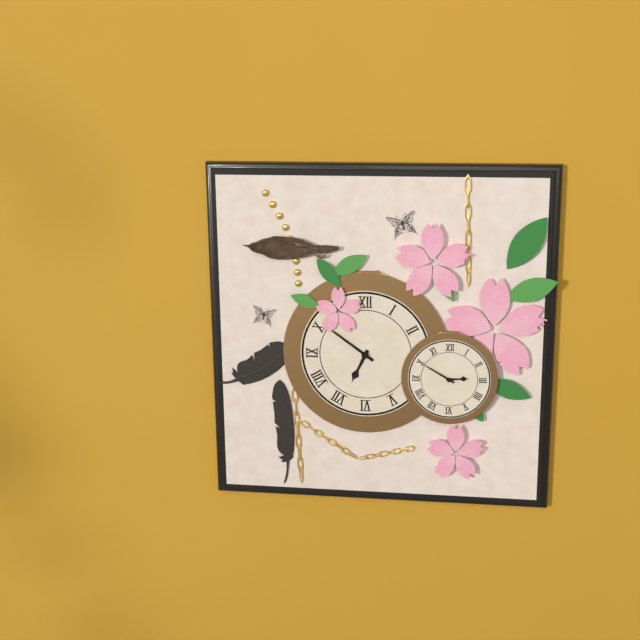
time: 6:51
